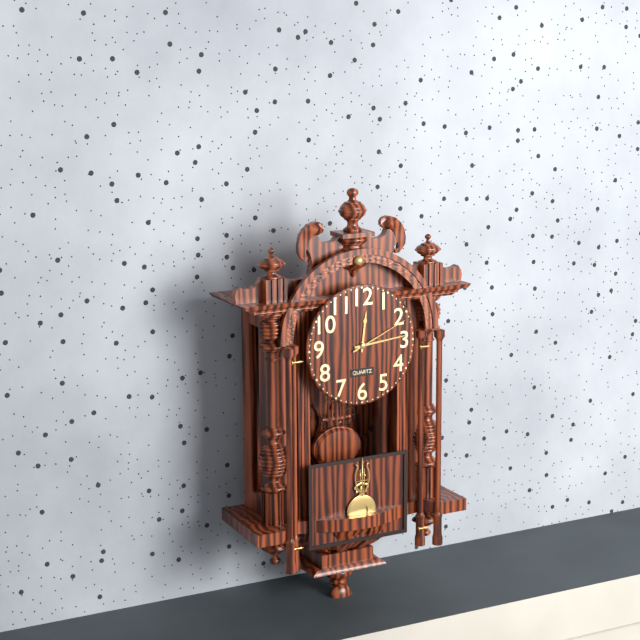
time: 12:14:11
